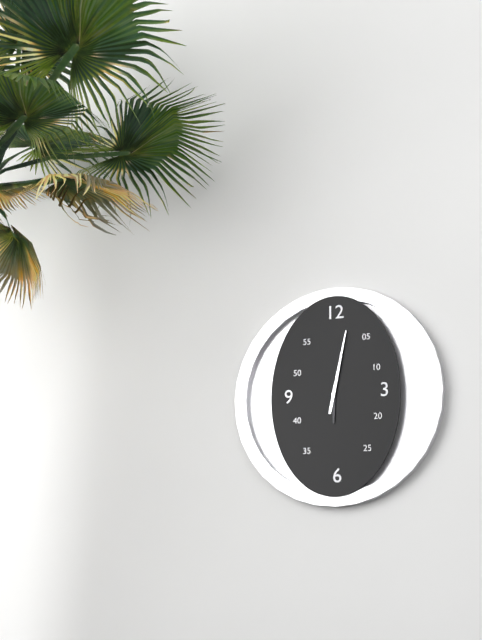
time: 6:02
